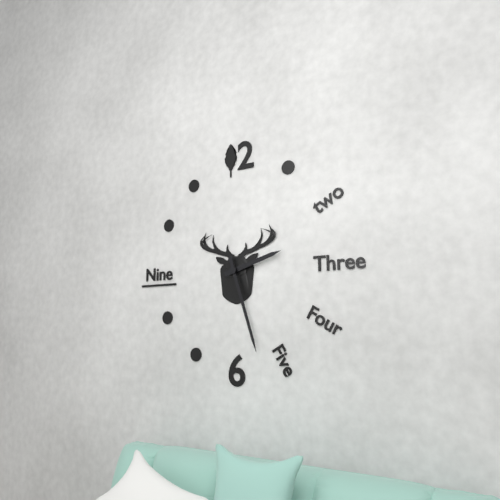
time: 2:27
